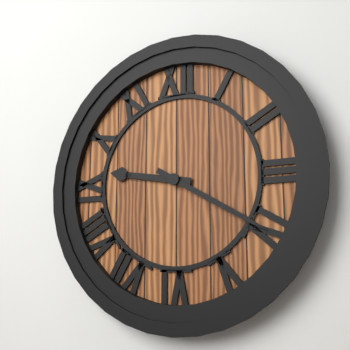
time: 9:20
